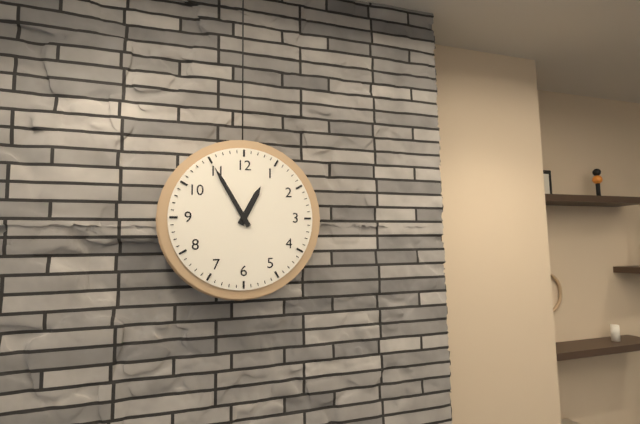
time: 12:55
